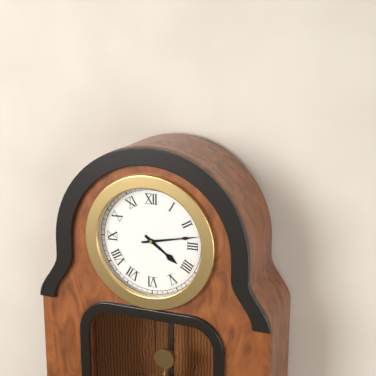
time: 4:13
